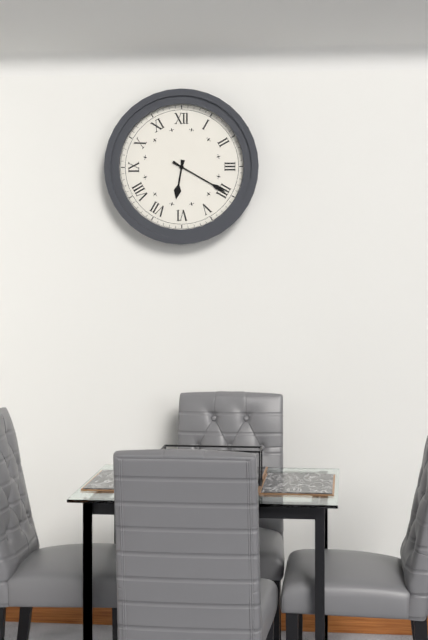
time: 6:20
